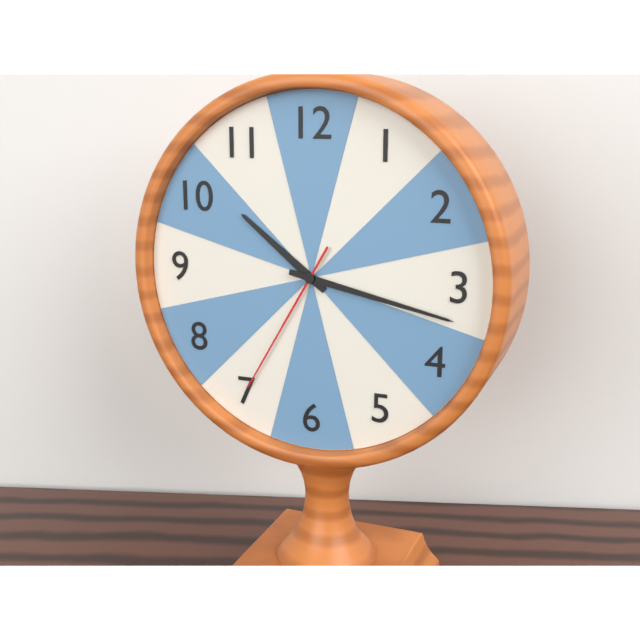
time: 10:17:35
